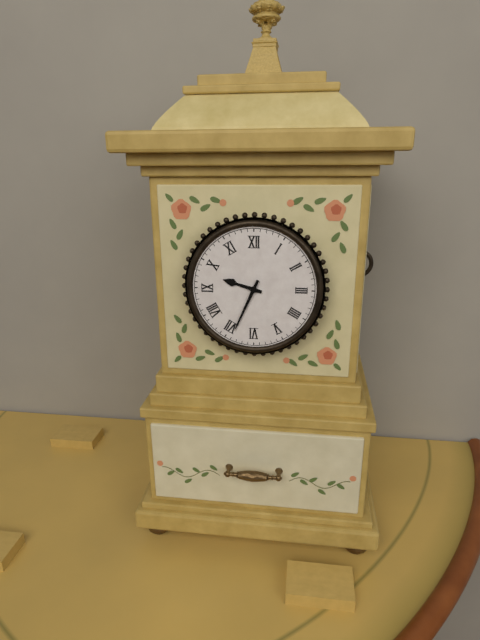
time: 9:34
